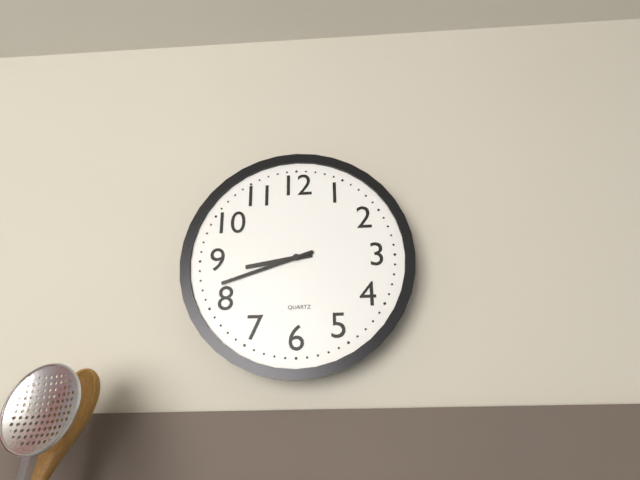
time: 8:42:42
